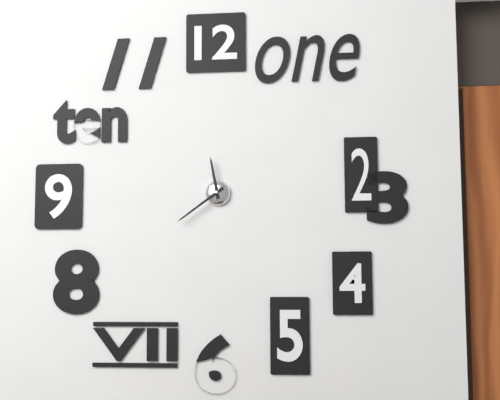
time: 11:39
